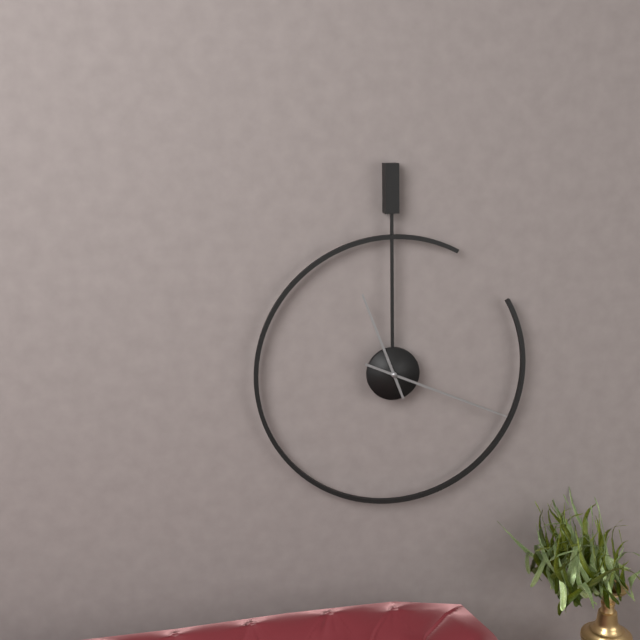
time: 11:19
